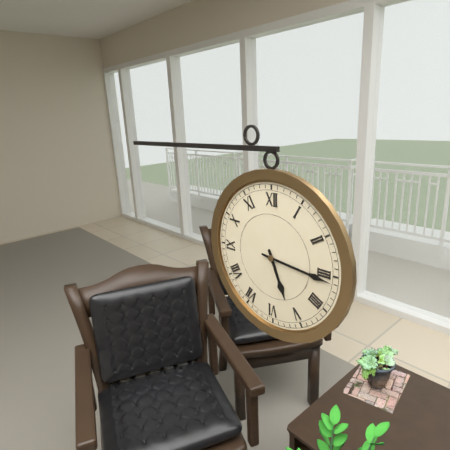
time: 5:16
